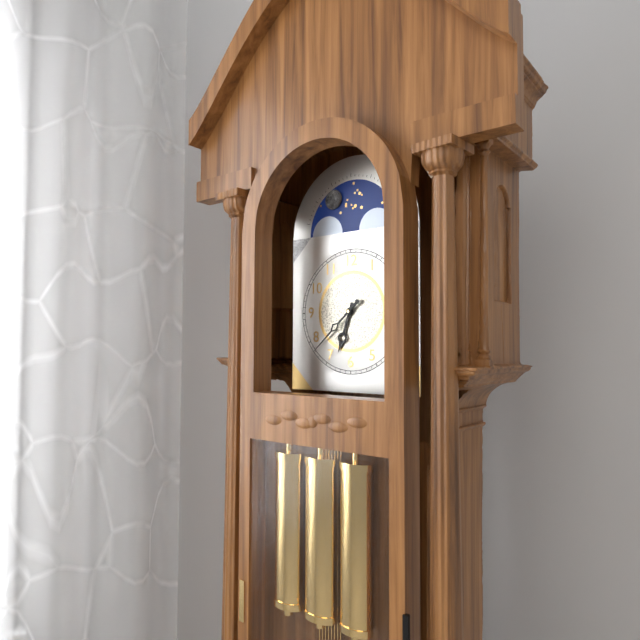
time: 6:38
